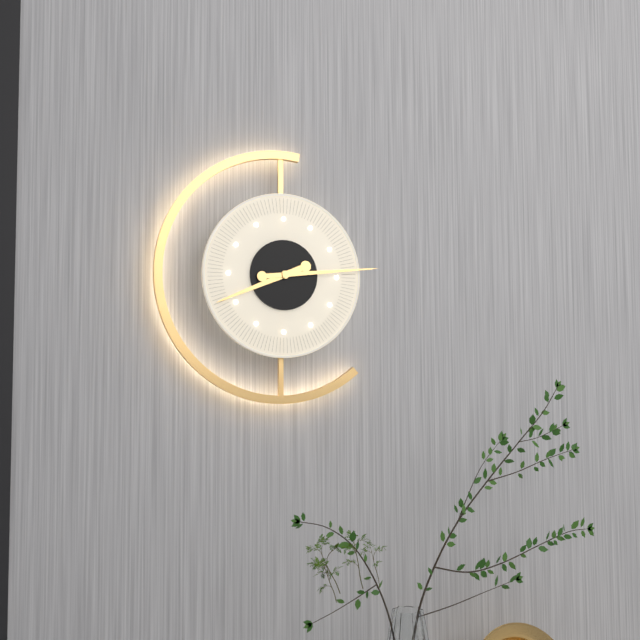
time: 8:14
